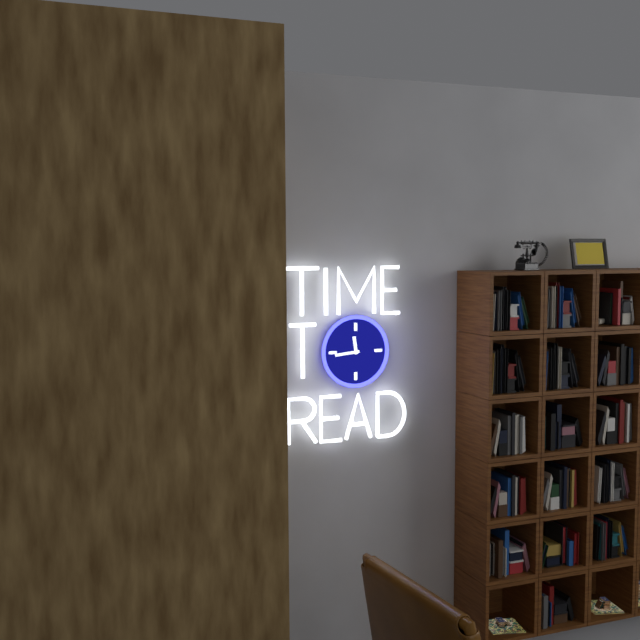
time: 11:44
